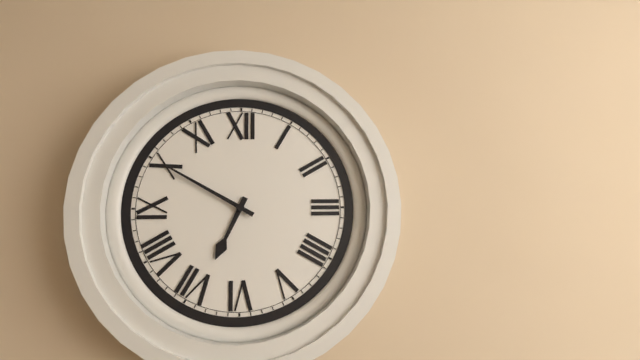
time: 6:50
